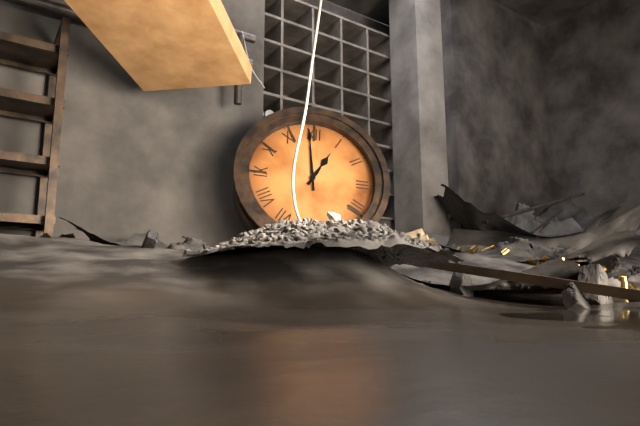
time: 12:59
